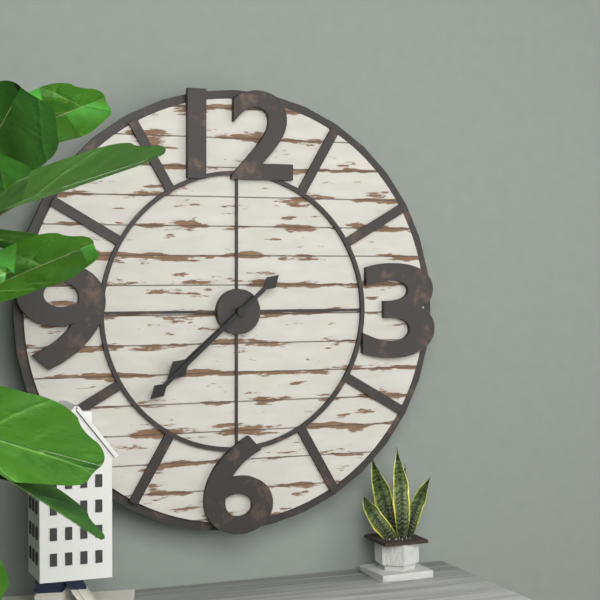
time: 7:38
